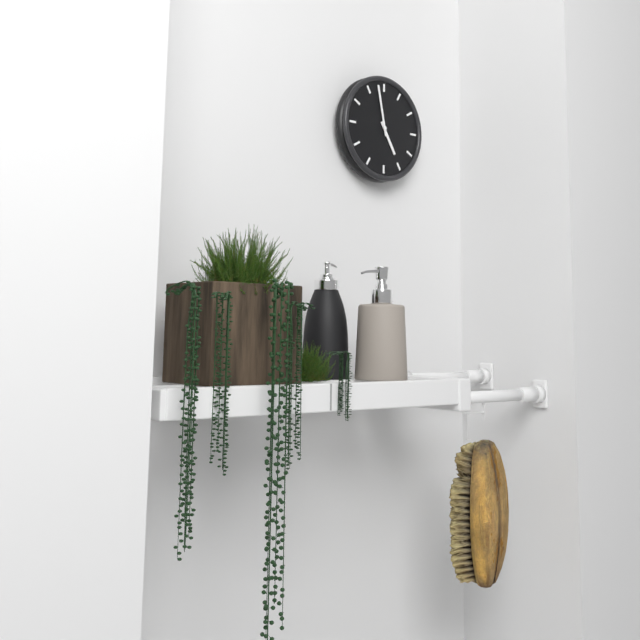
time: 4:58
